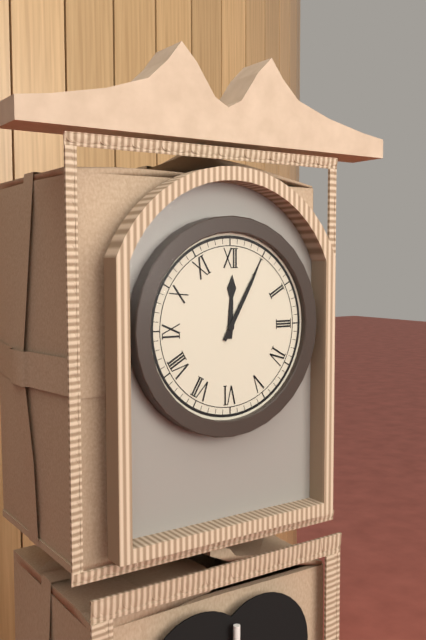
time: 12:05
